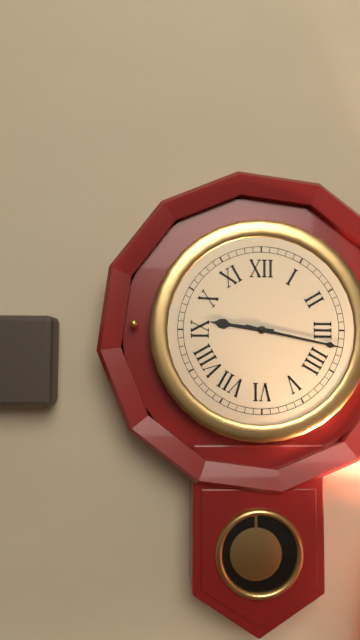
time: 9:17
